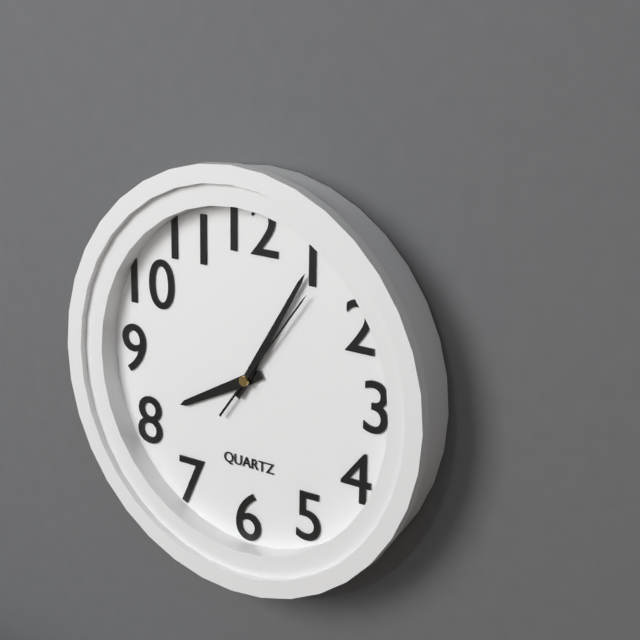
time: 8:05:06
